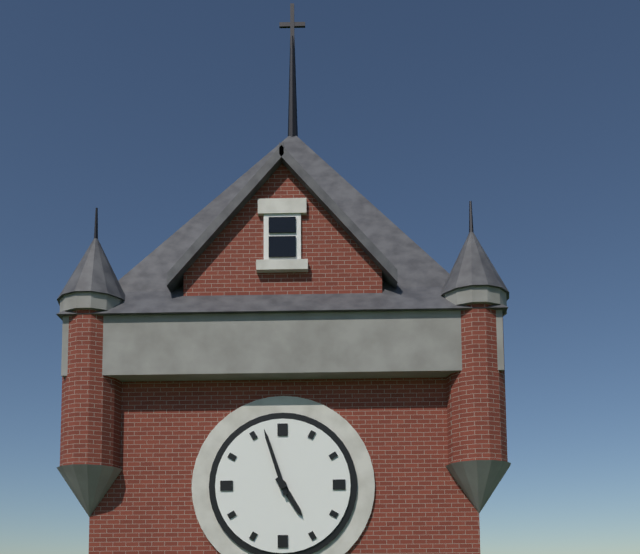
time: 4:57
